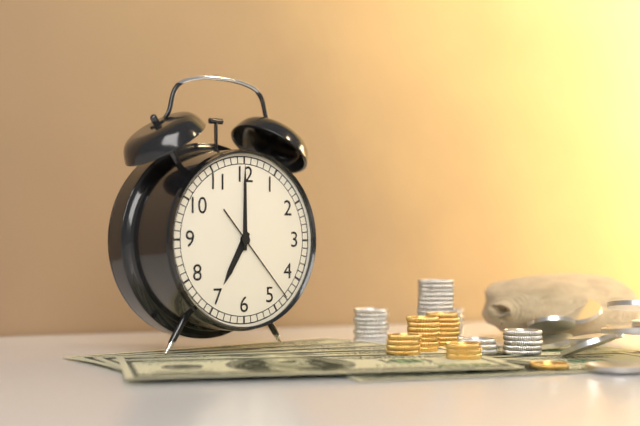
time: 7:00:23
